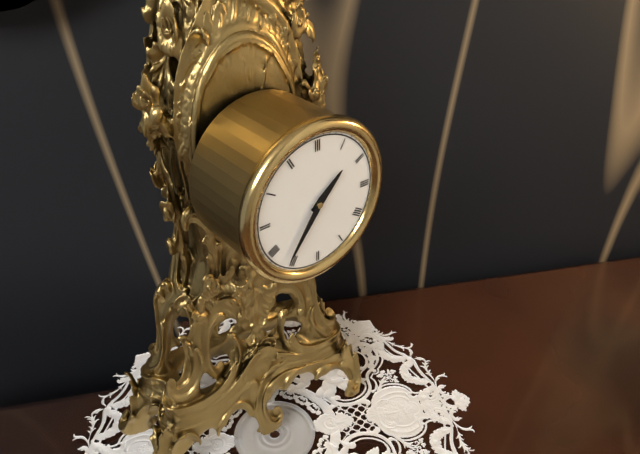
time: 1:36
